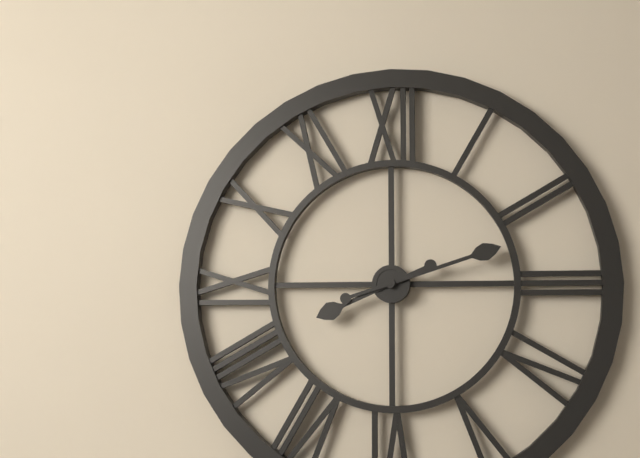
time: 8:12
